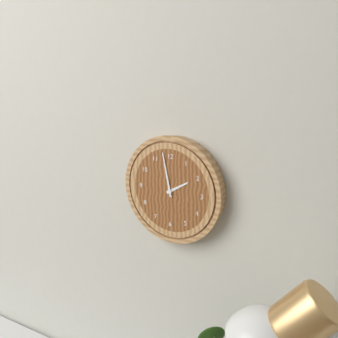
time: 1:58
